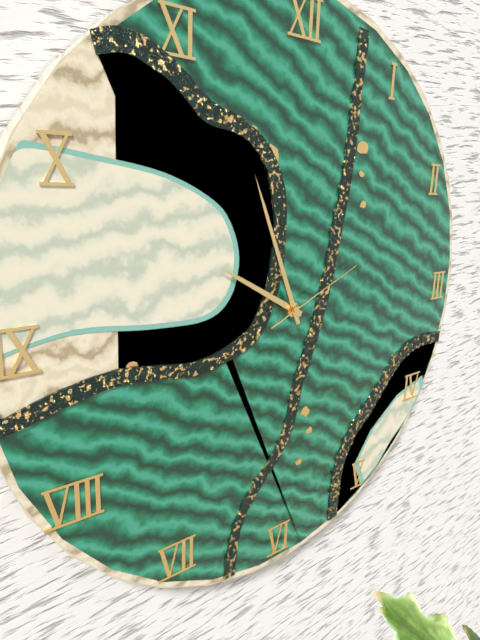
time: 9:56:11
